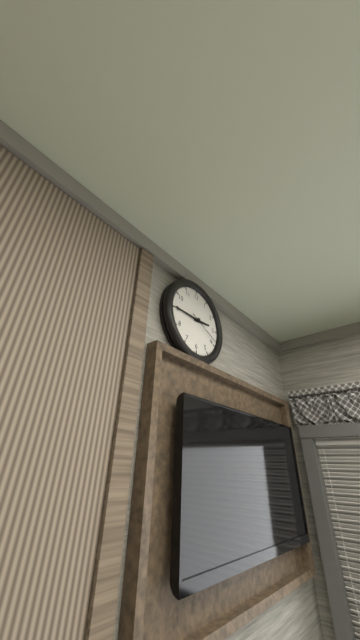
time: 2:45
